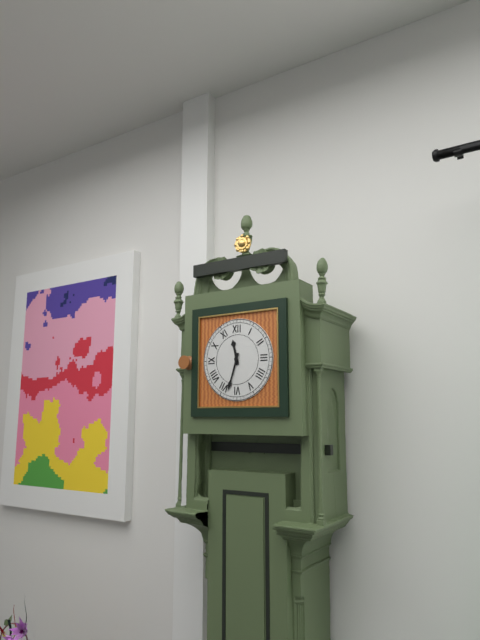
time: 11:33
